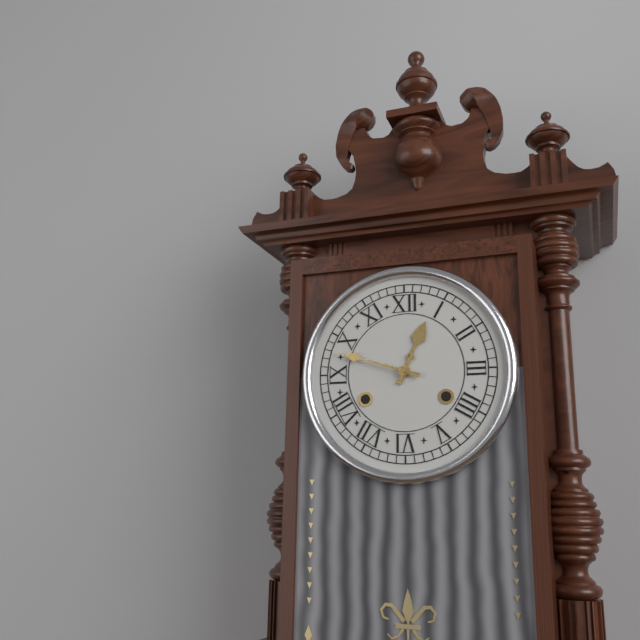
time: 12:48
